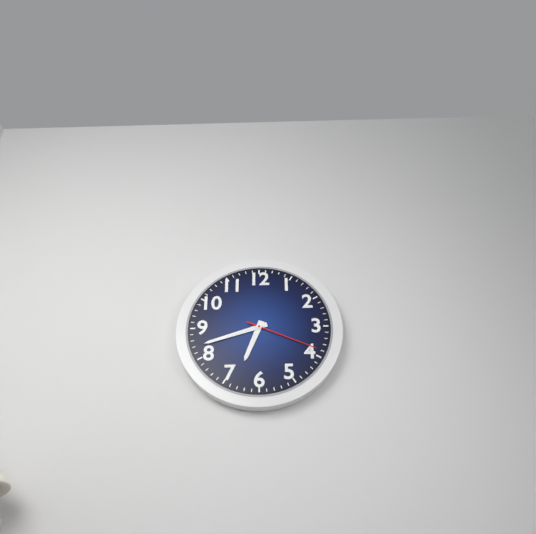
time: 6:42:19
